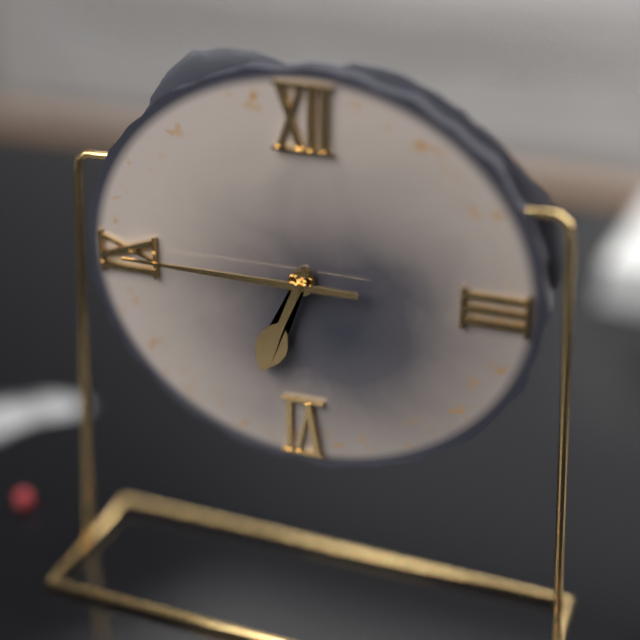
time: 6:45
